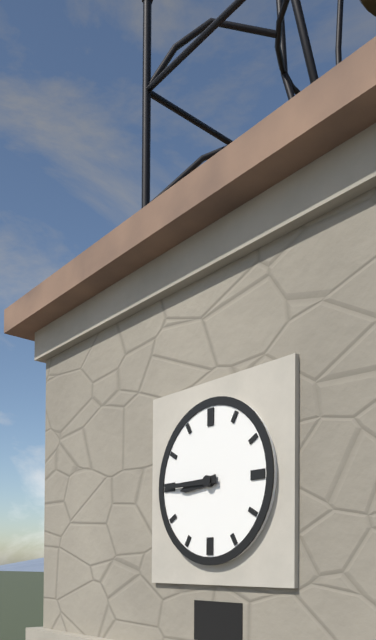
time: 8:45
